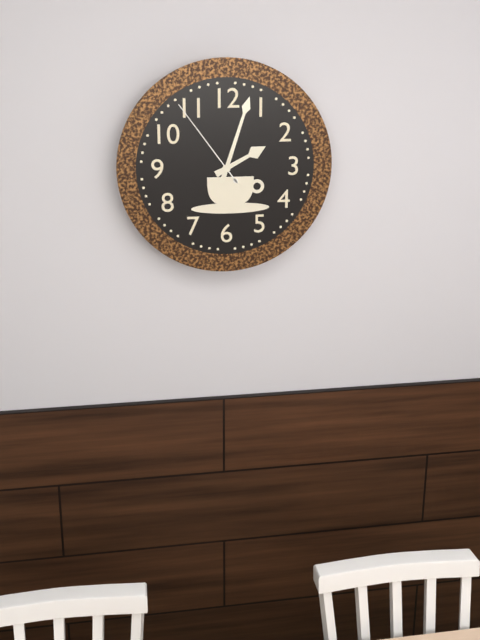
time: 2:03:54
